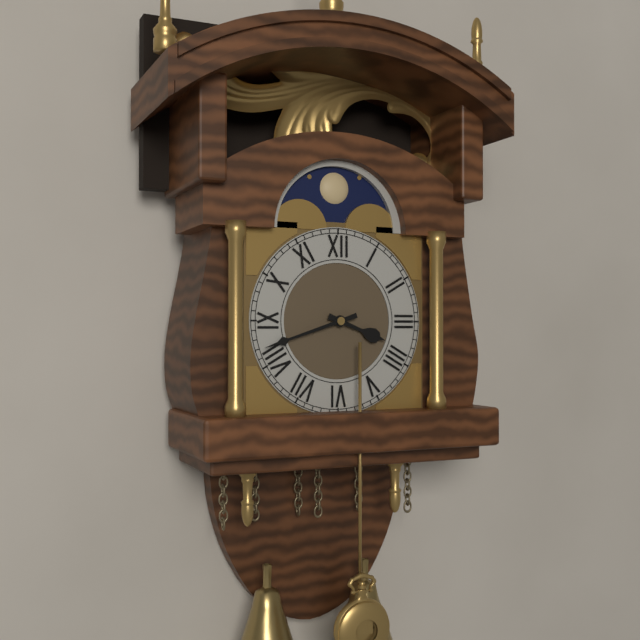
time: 3:42
